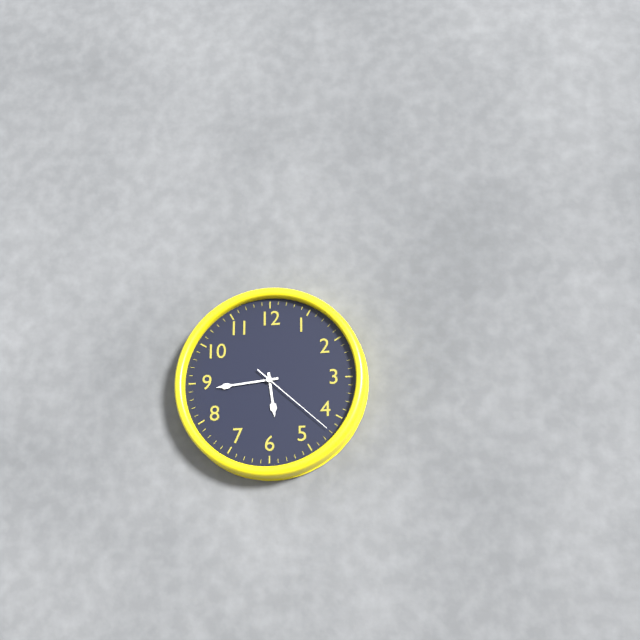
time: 5:44:22
